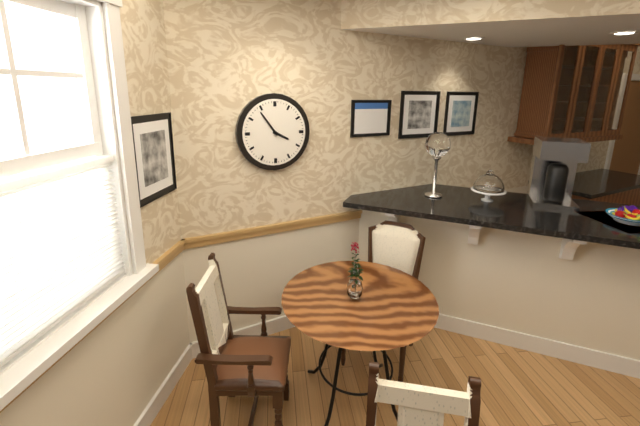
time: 3:54
